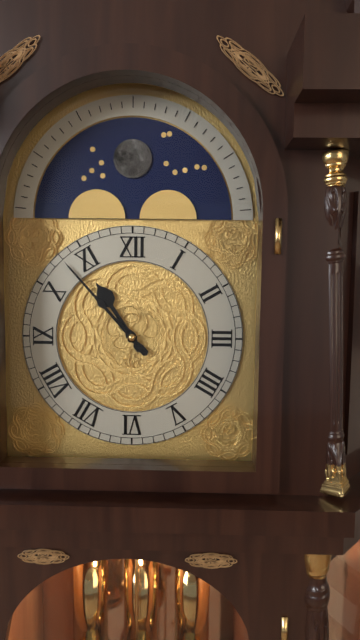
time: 10:53
